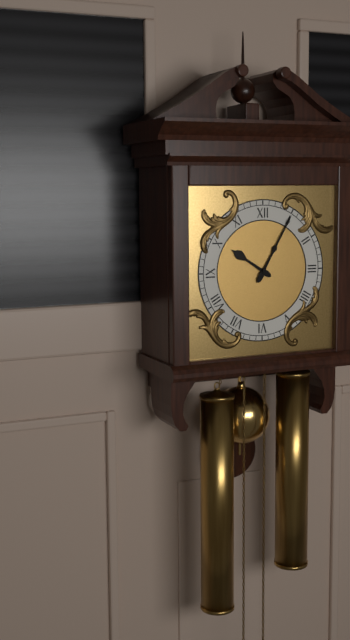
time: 10:05
